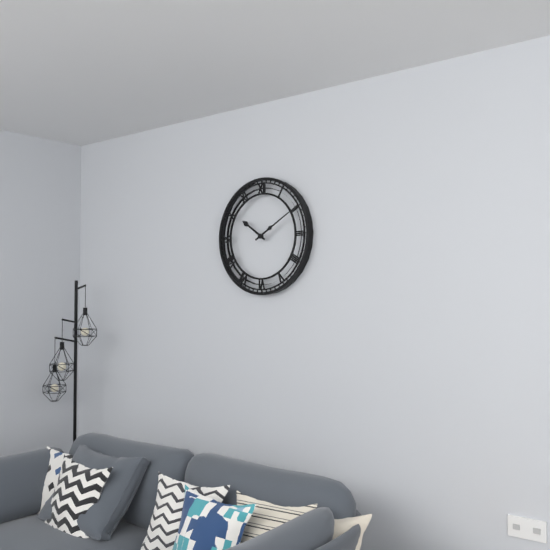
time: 10:10
